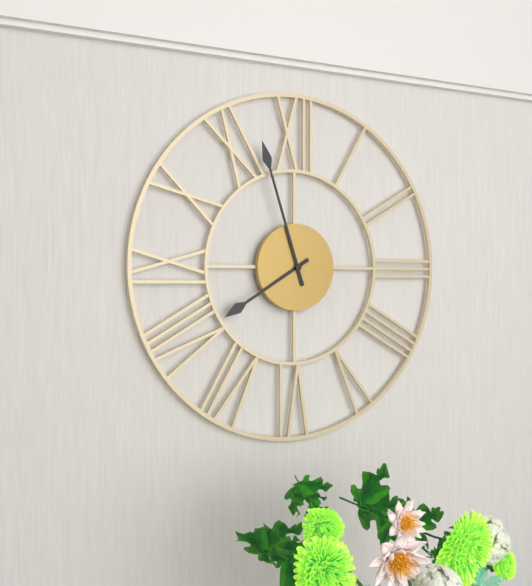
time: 7:57
